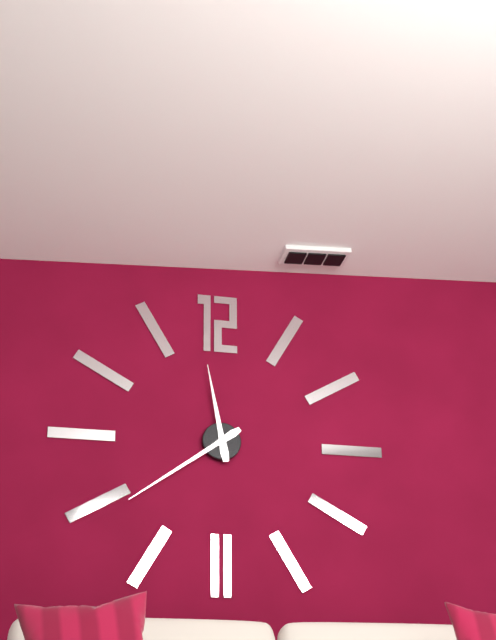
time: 11:39
